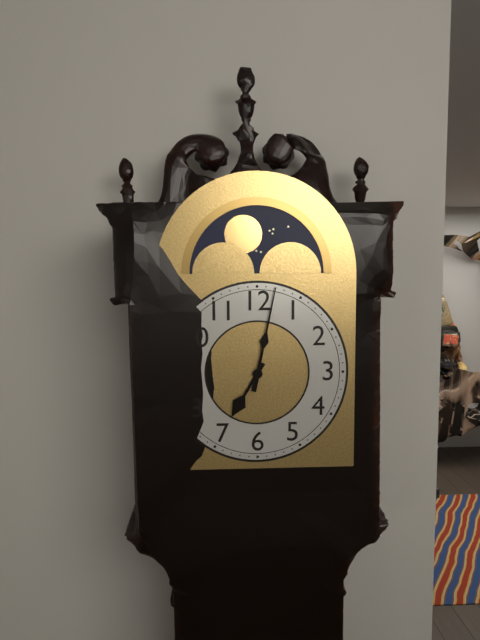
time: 7:02
